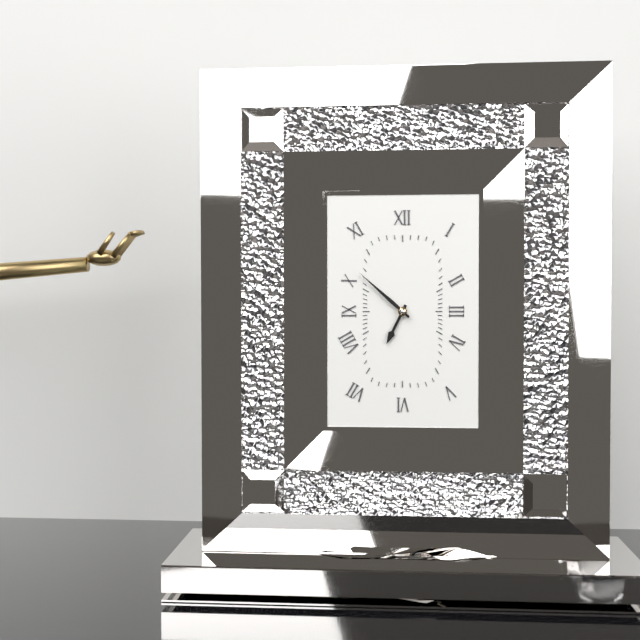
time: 6:52
